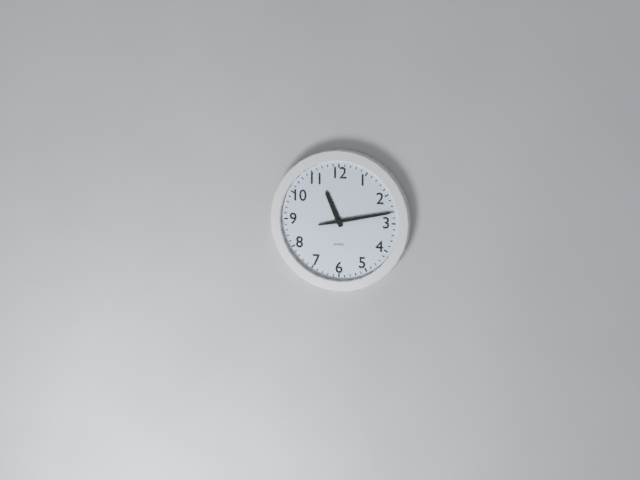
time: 11:13
